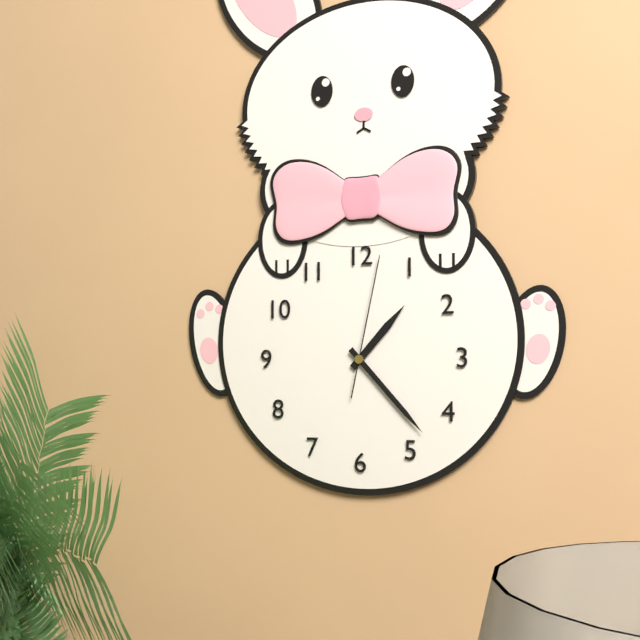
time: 1:23:02
